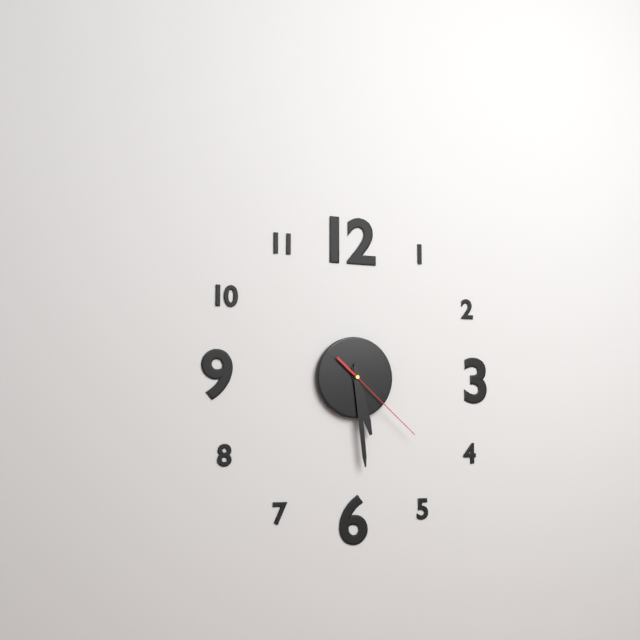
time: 5:29:22
